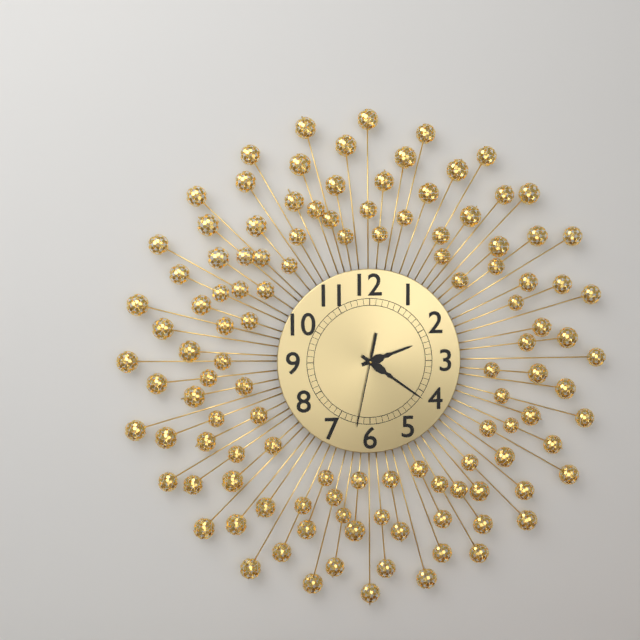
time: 2:21:32
